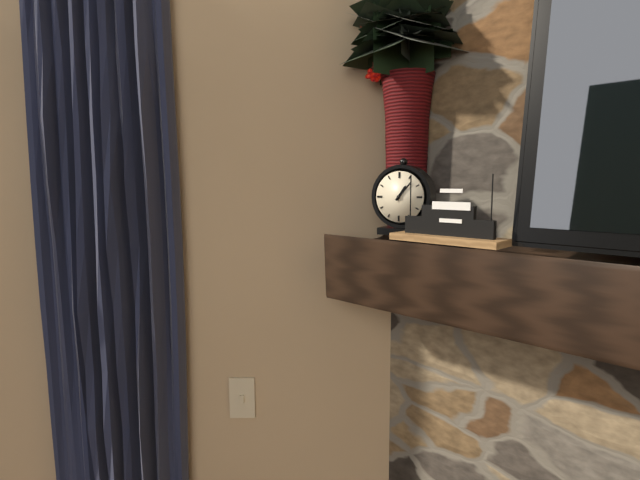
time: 1:07
